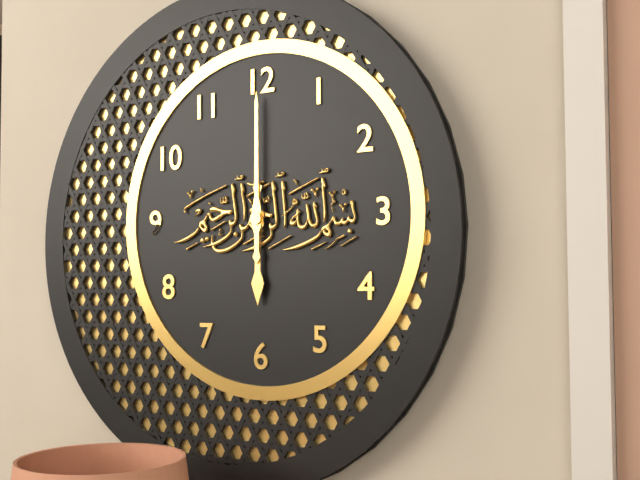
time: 6:00
